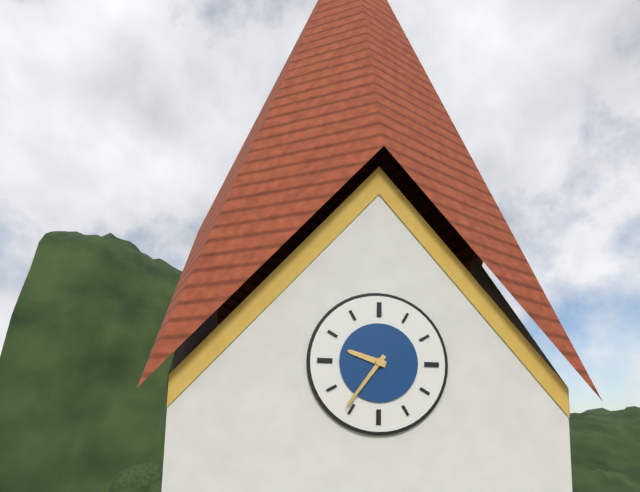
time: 9:36
